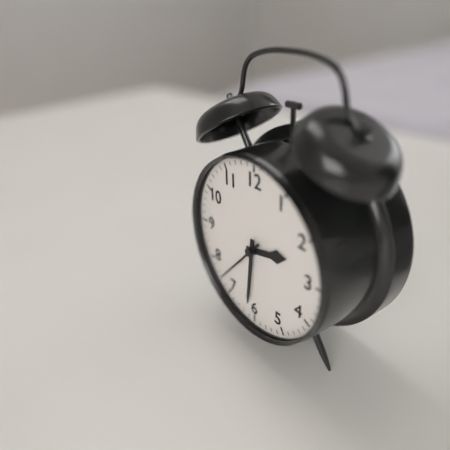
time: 2:31:37
